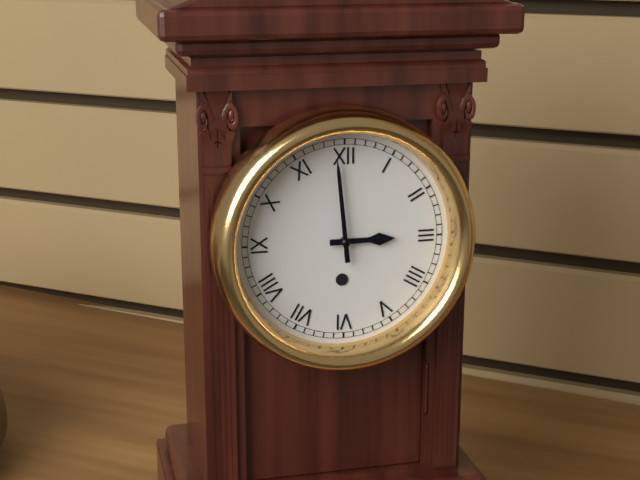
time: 2:59
